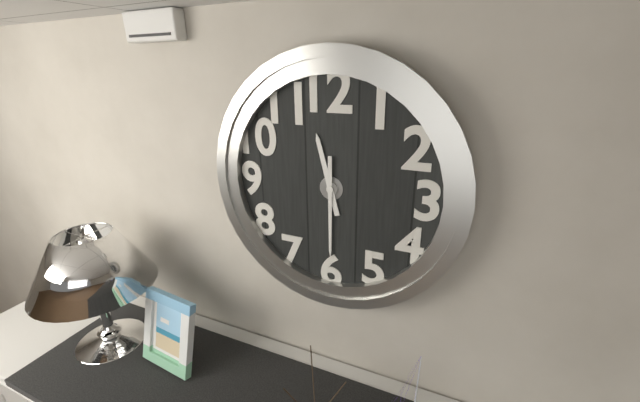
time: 11:30
